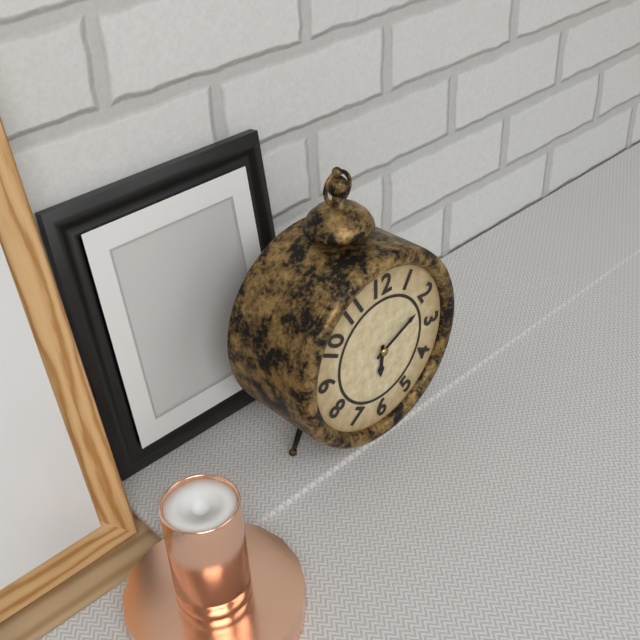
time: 6:11
